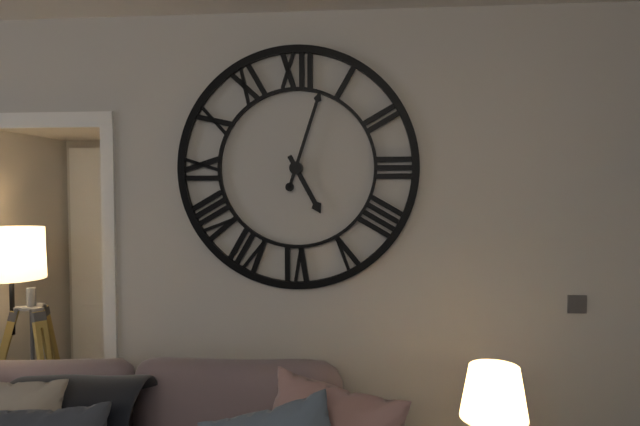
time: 5:03
